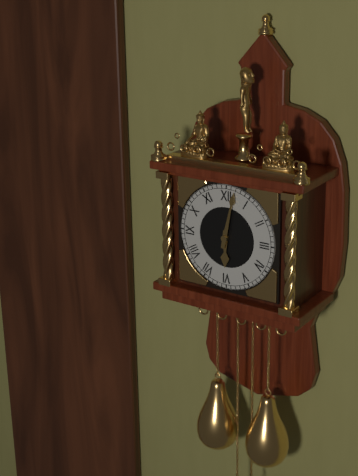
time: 6:02
